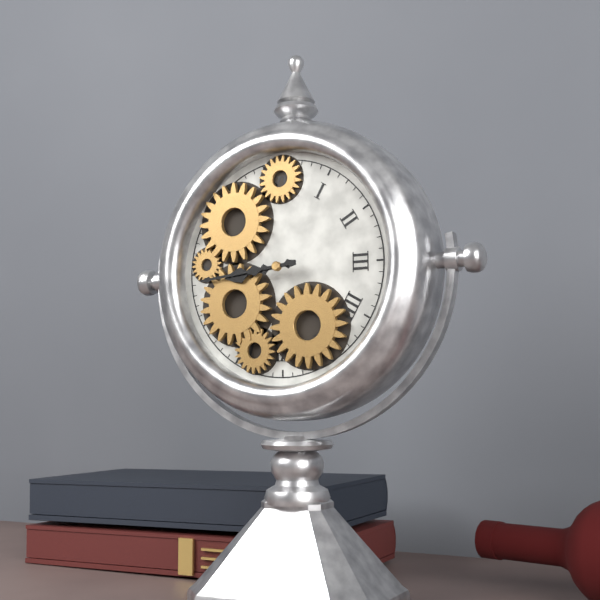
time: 8:44
